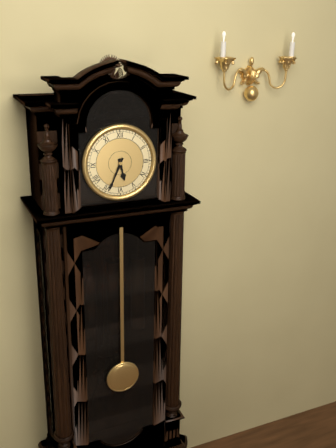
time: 5:34
